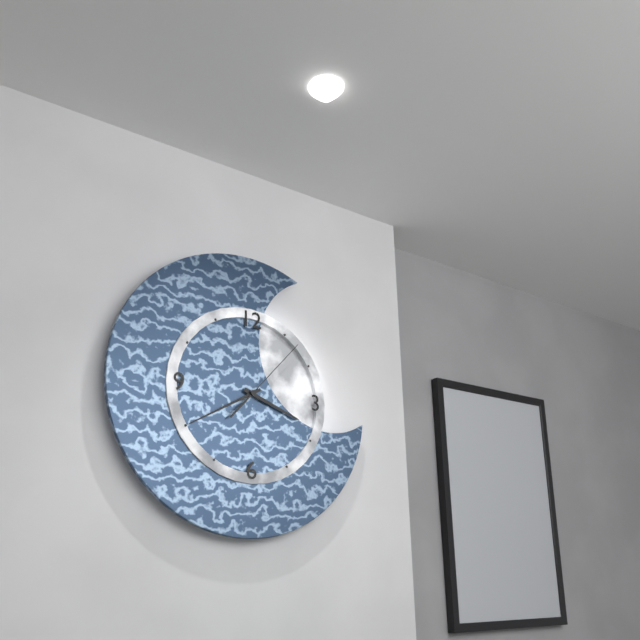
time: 3:40:07
